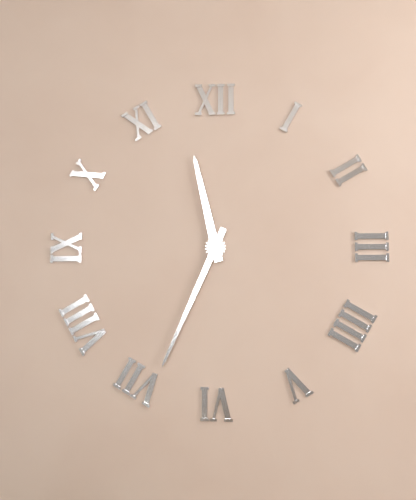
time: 11:34
